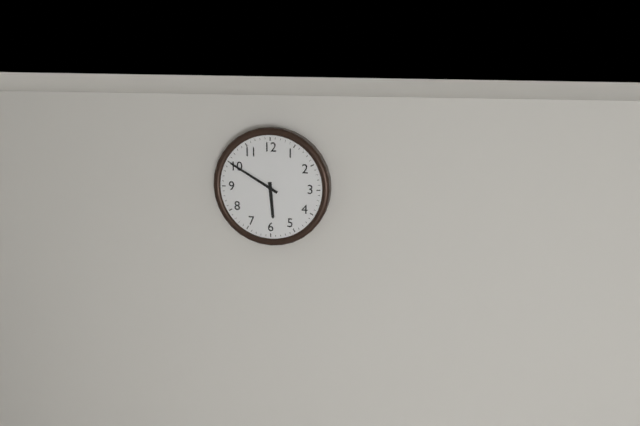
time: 5:50
